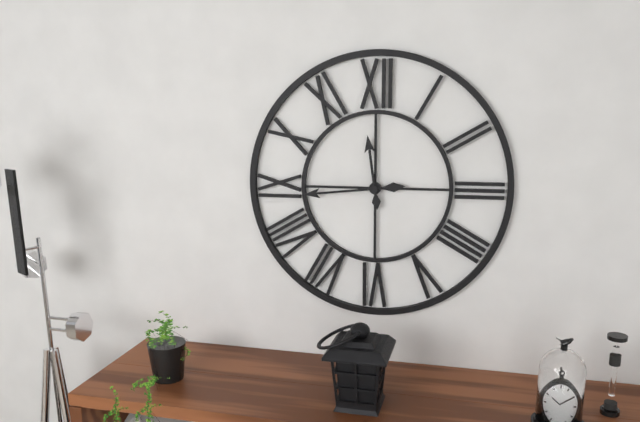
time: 11:44
